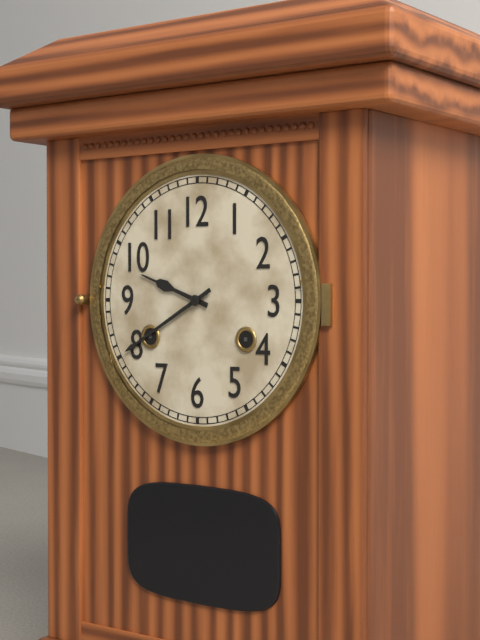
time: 9:40
